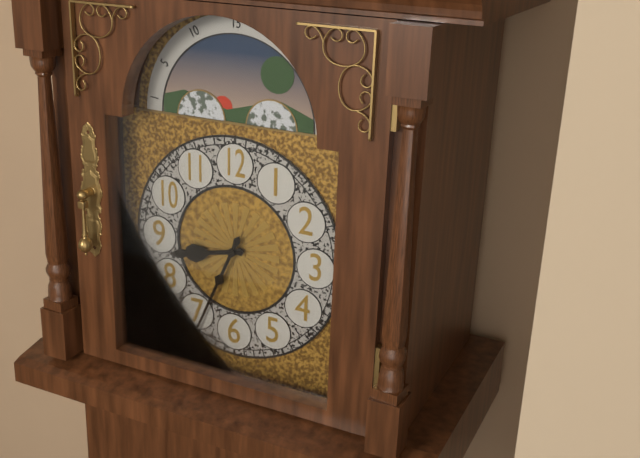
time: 8:34
